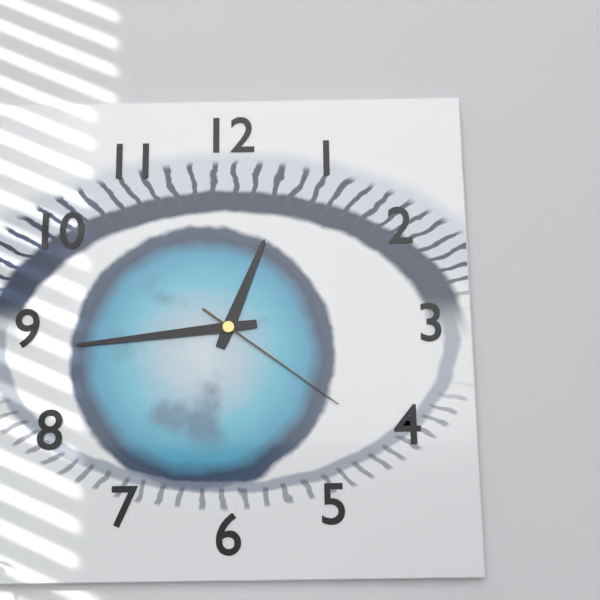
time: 12:44:21
